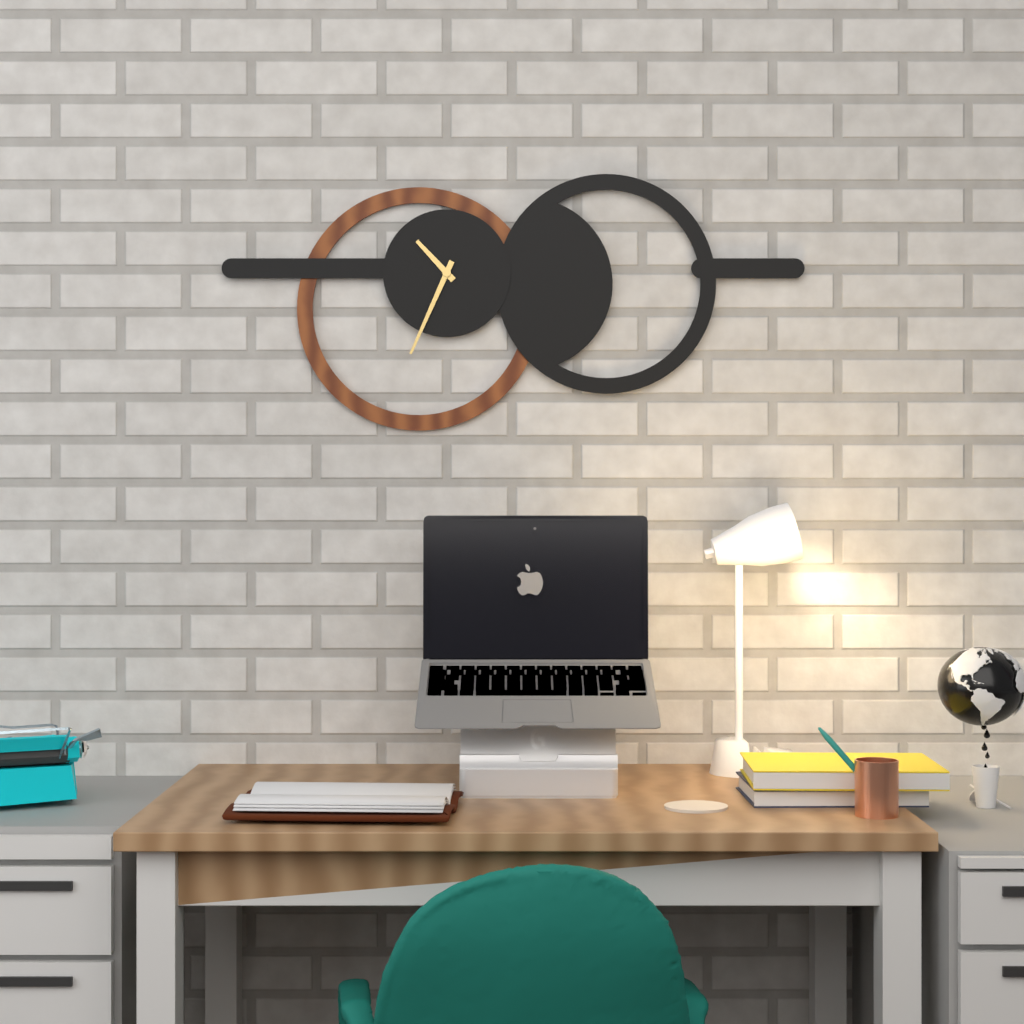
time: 10:34
